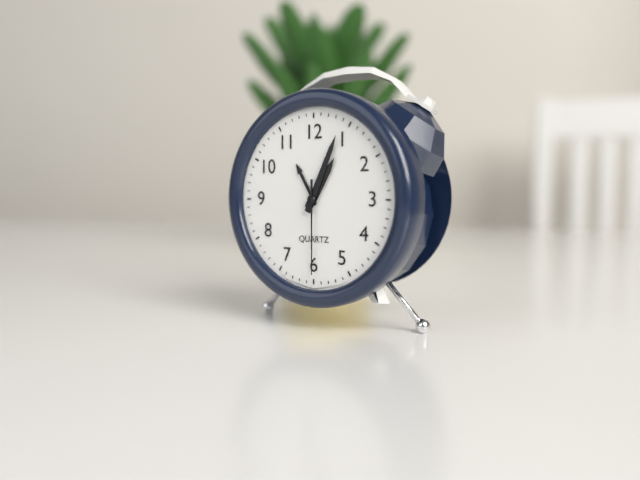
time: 1:04:30
